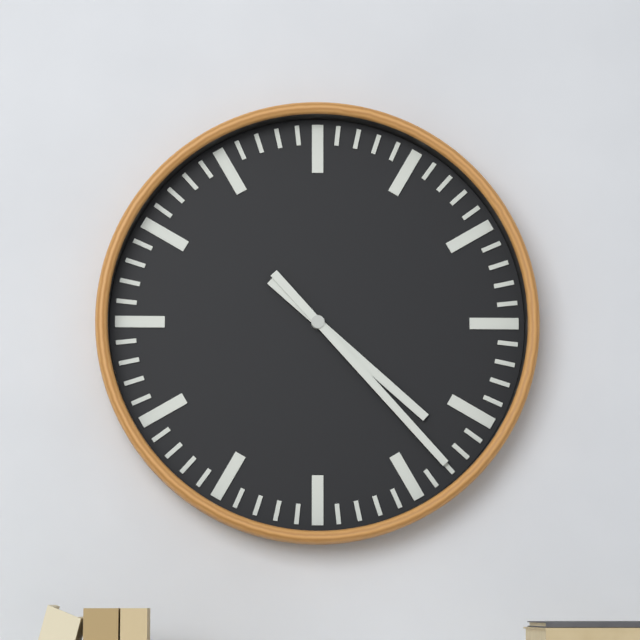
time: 4:23
